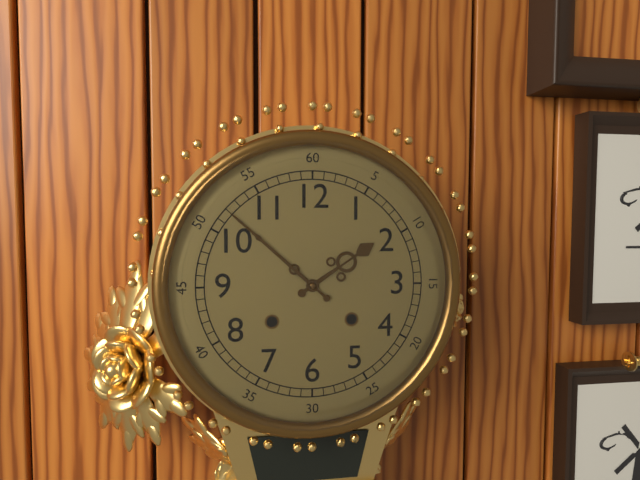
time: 1:52
